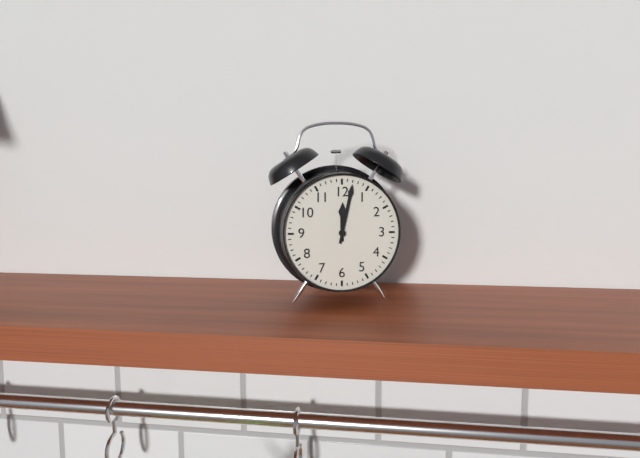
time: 12:02
